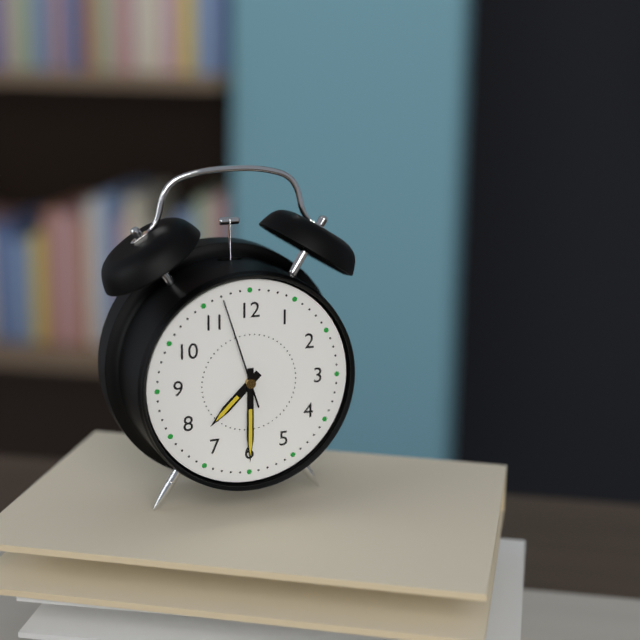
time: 7:30:57
